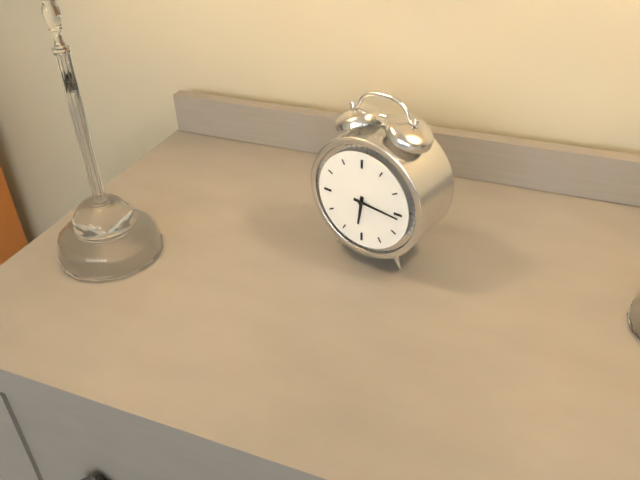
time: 6:16
